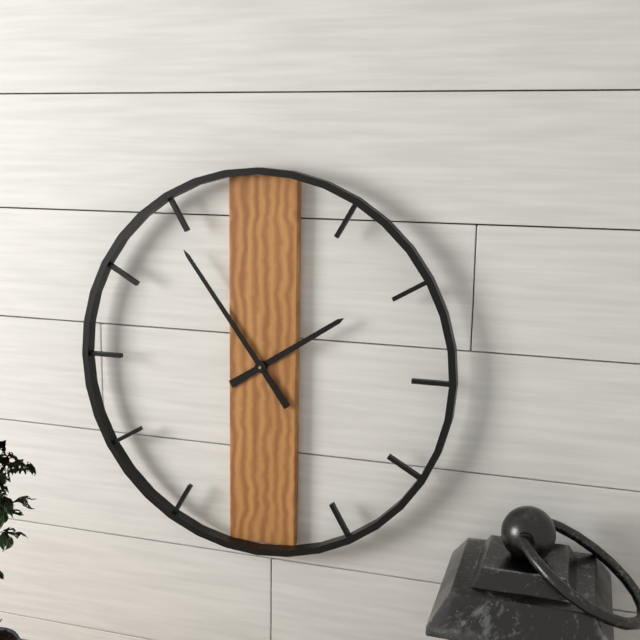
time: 1:54
